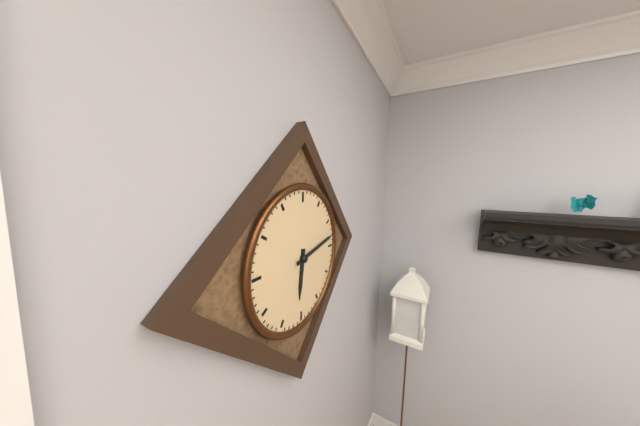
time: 6:13
